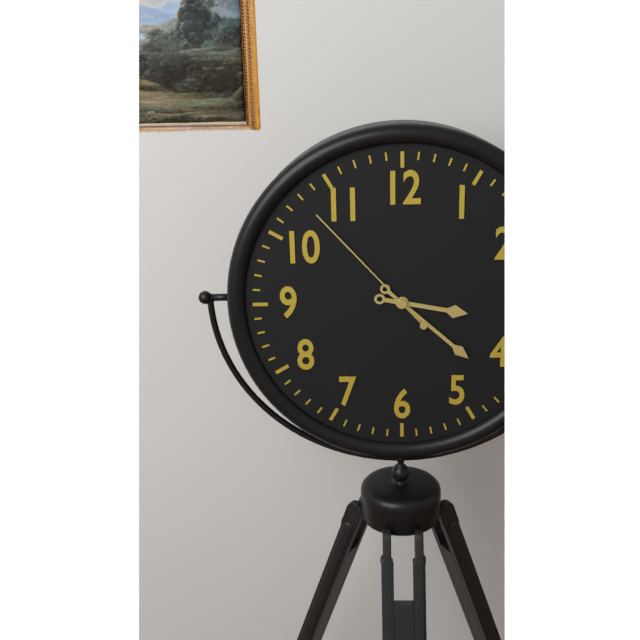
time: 3:22:53
